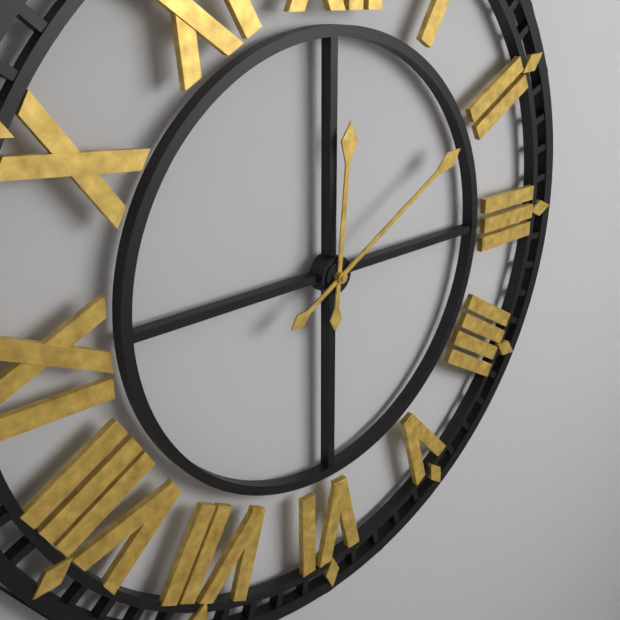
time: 12:10
